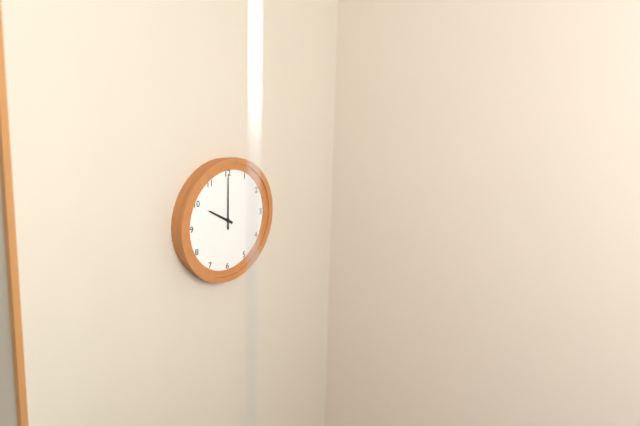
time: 10:00
